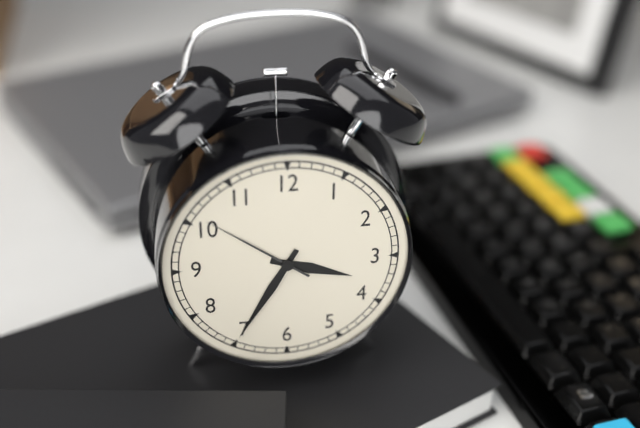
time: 3:35:51
